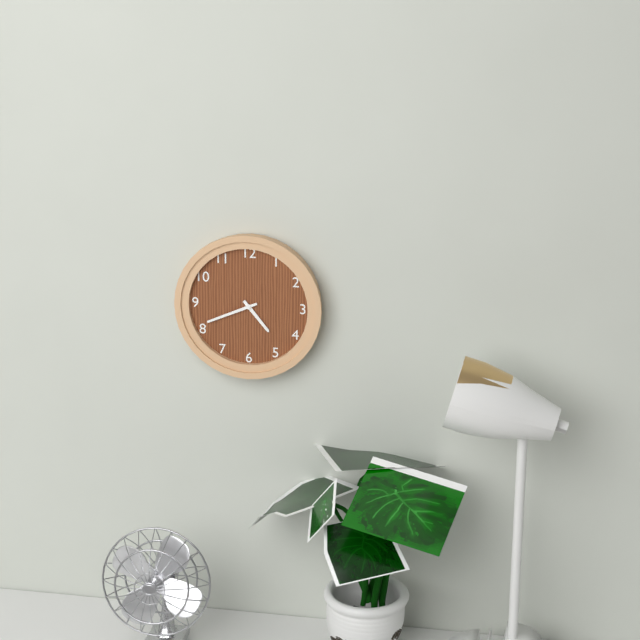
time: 4:41
